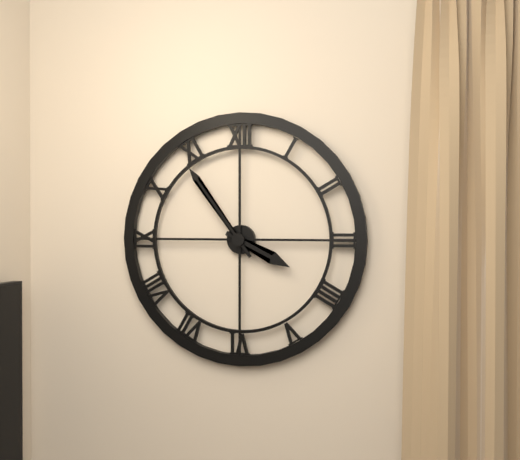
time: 3:54
